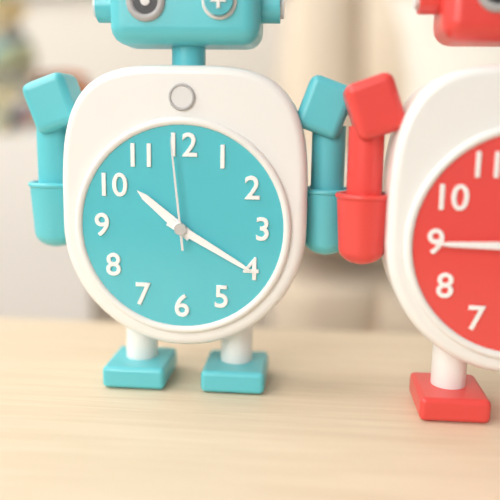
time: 10:20:59
